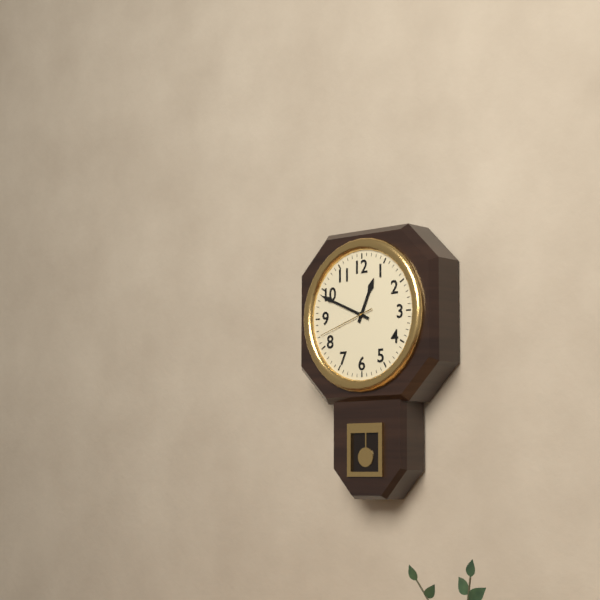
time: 12:49:42
